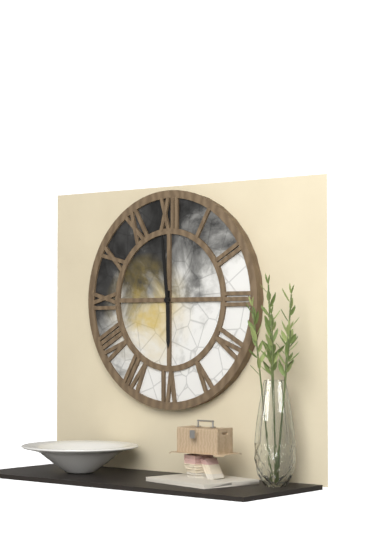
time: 5:59
